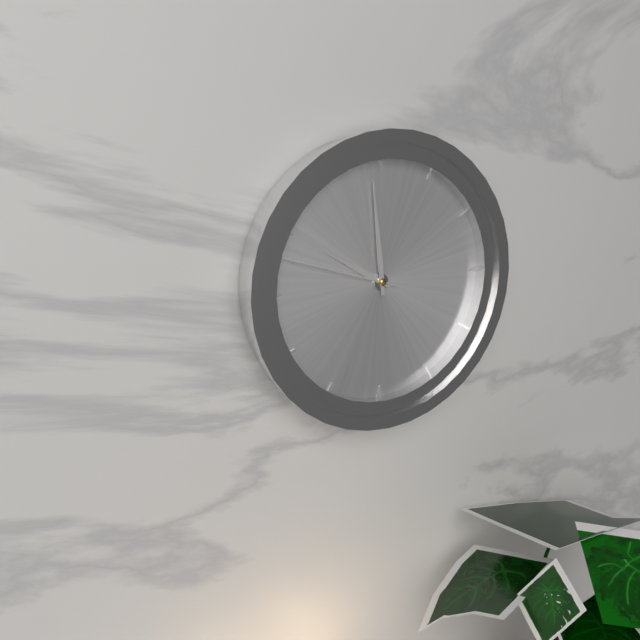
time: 9:59:48
